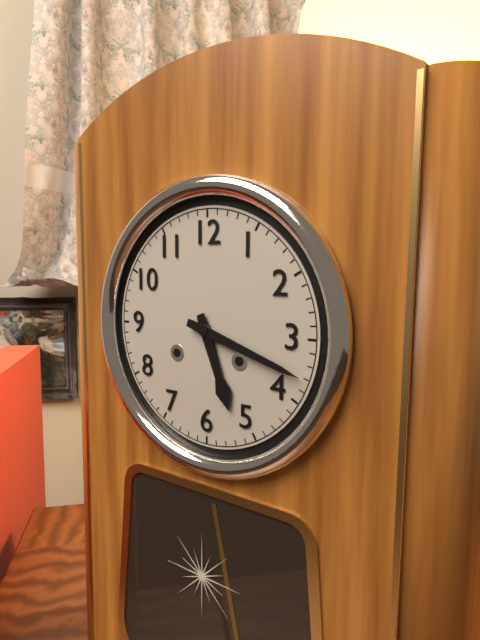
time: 5:18
